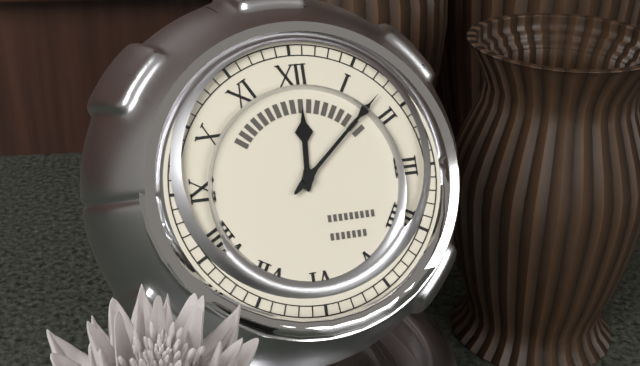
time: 12:08
